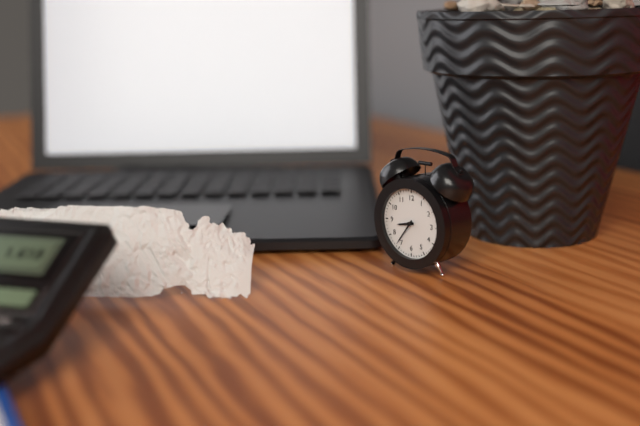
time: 8:36
